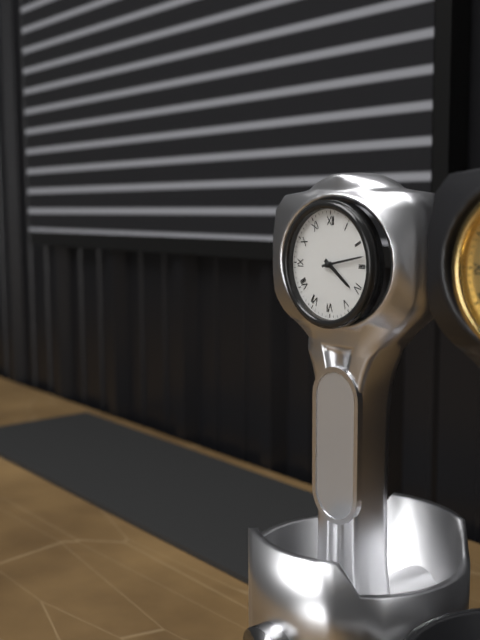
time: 4:13
